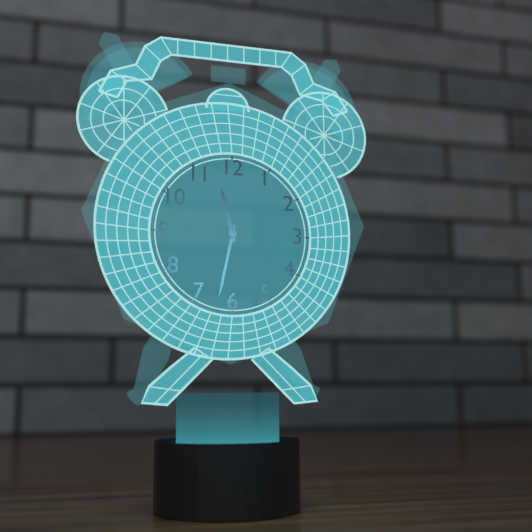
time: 11:32
